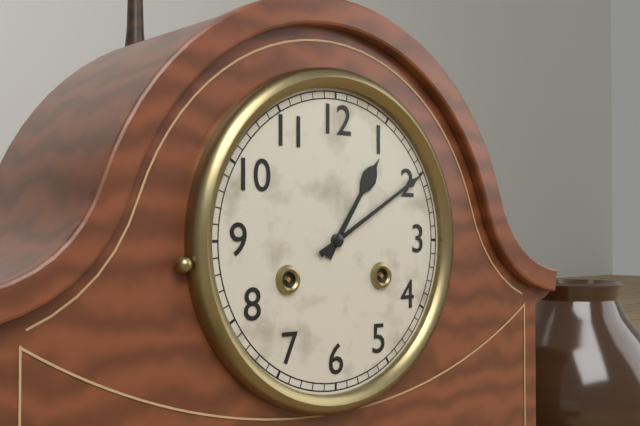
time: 1:10
